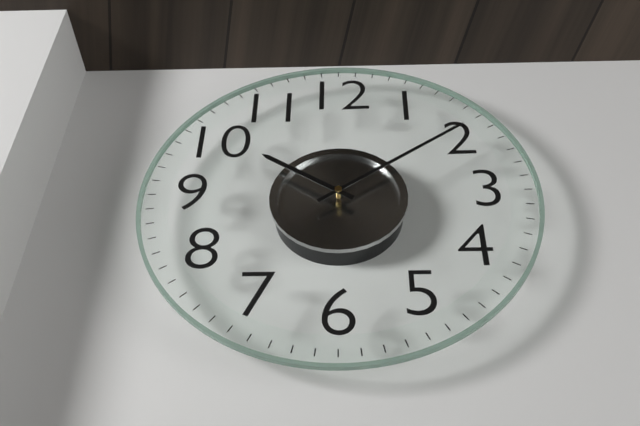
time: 10:09
